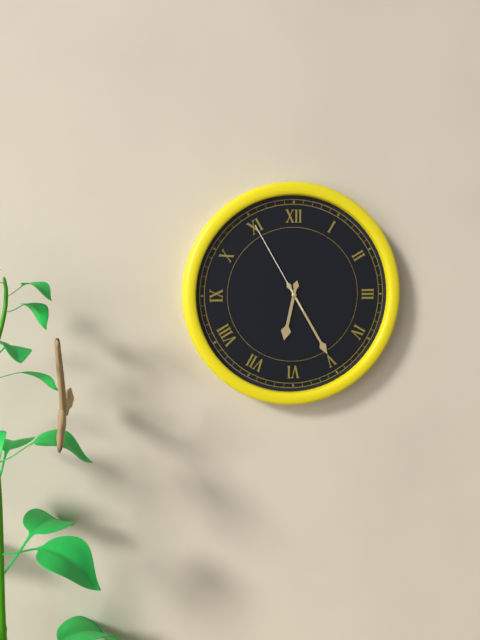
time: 6:25:55
